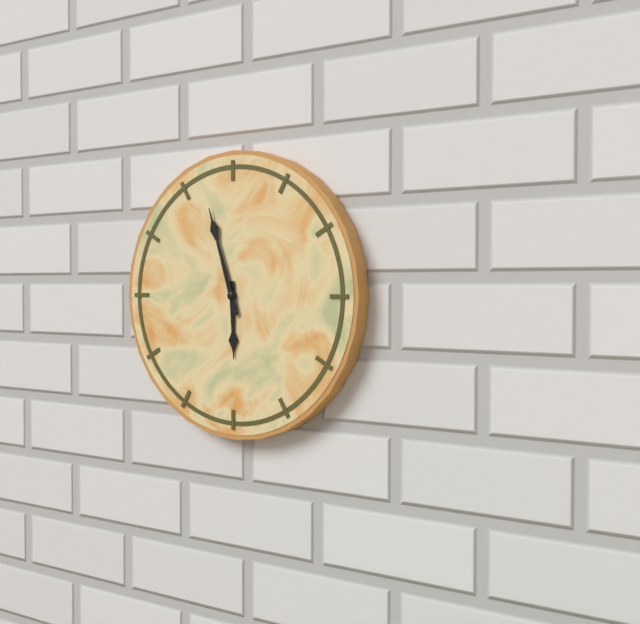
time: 5:57
